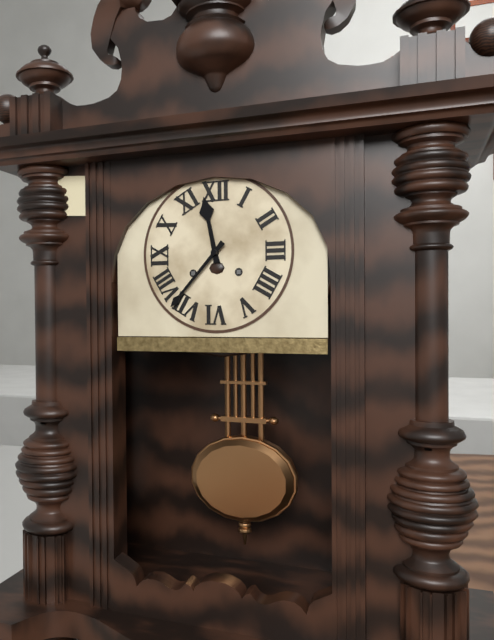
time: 11:37
